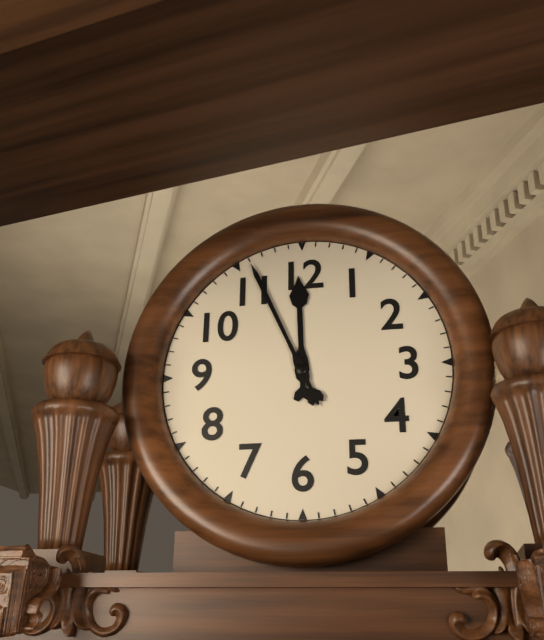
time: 11:56
